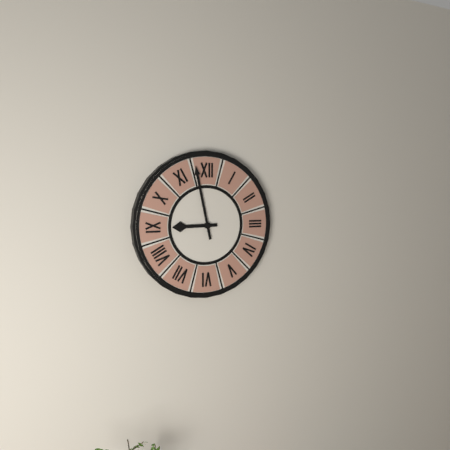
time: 8:58
